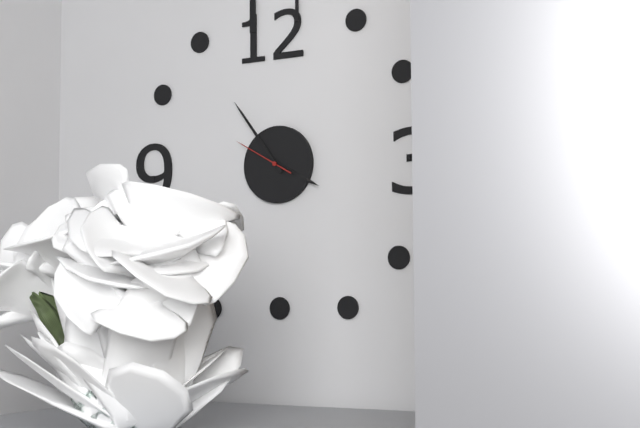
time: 3:54:50
